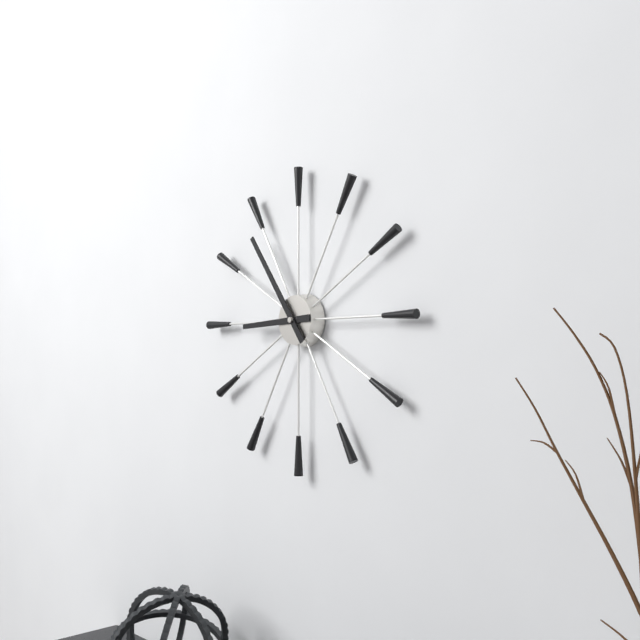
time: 8:54
